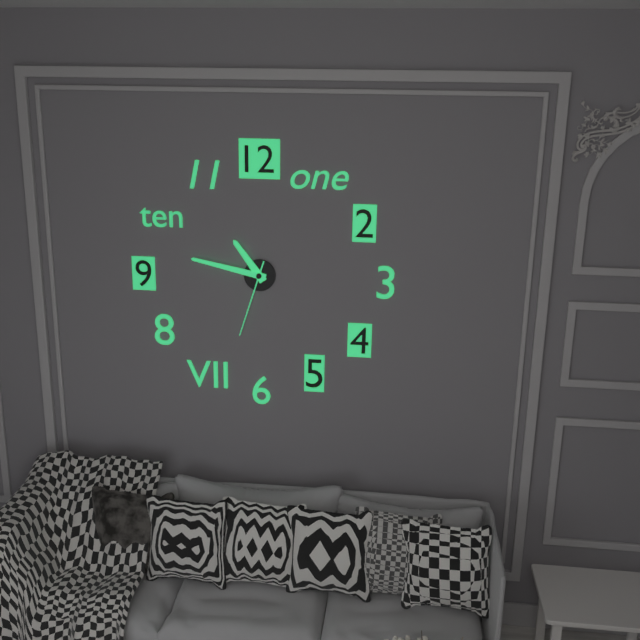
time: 10:47:33
